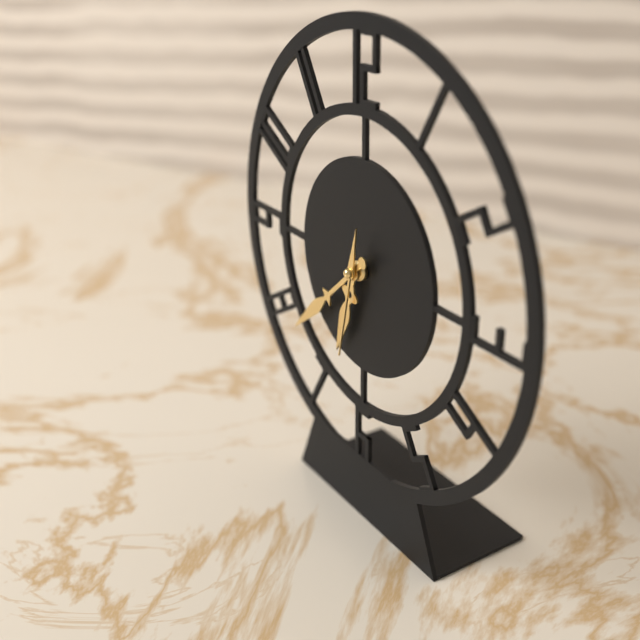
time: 6:38:32
